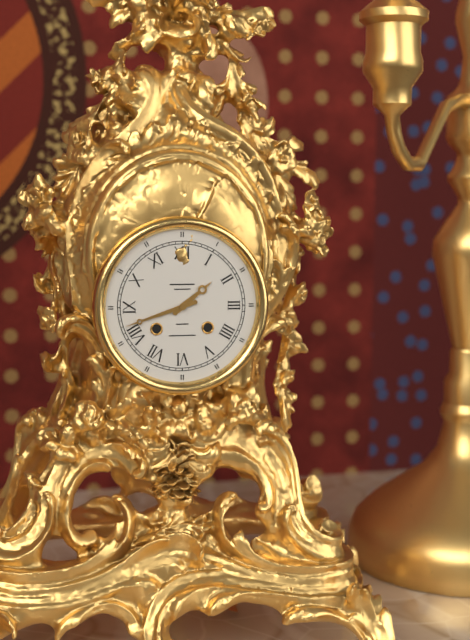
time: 1:42
